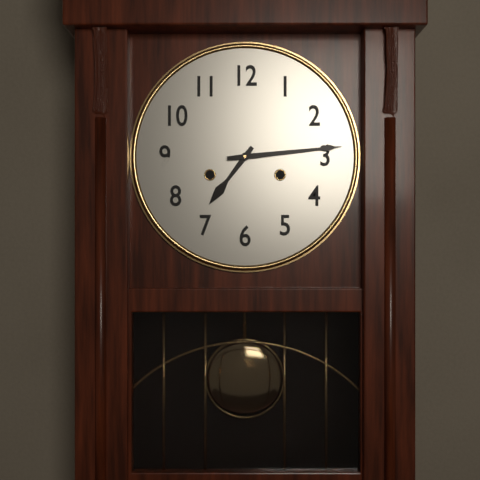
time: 7:14
